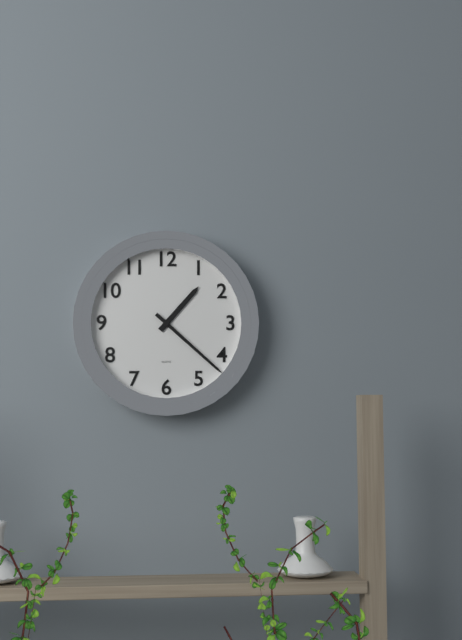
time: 1:22
